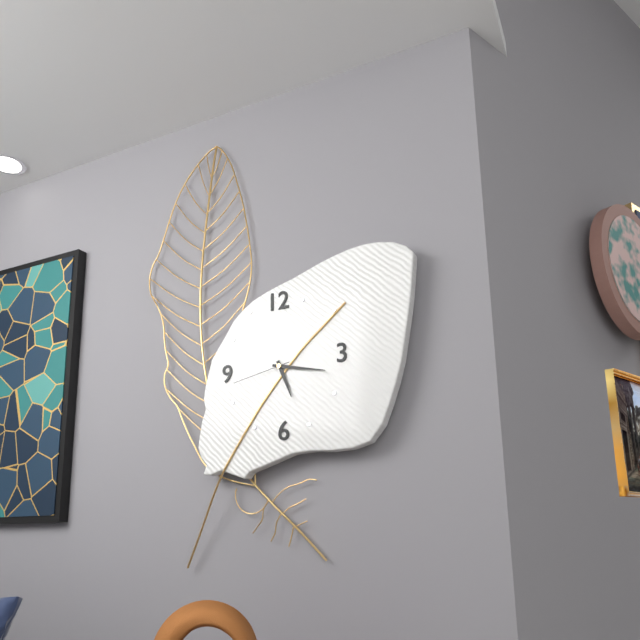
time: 5:17:43
